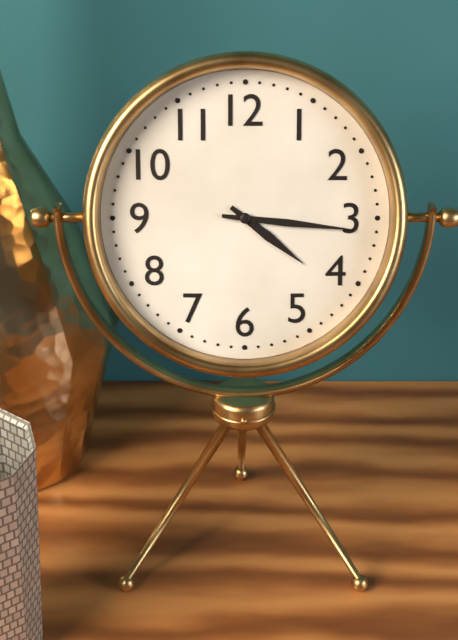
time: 4:16
